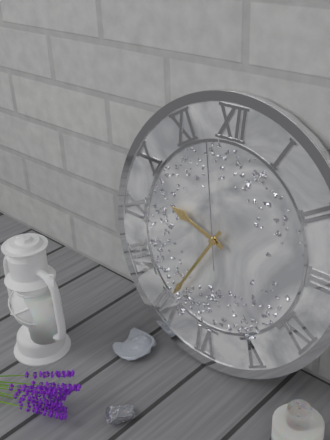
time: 9:35:58
